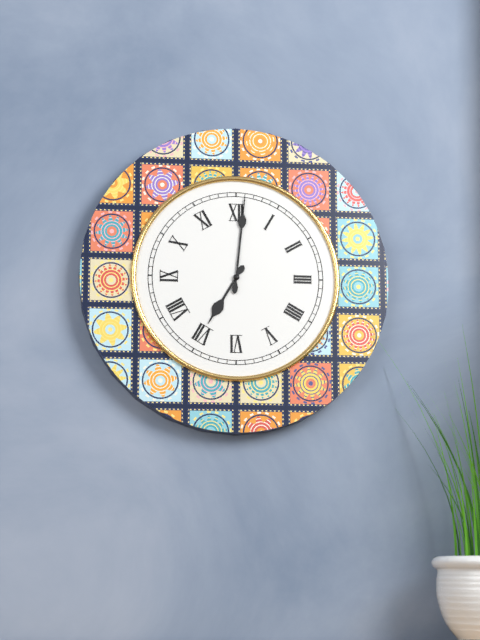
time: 7:01
